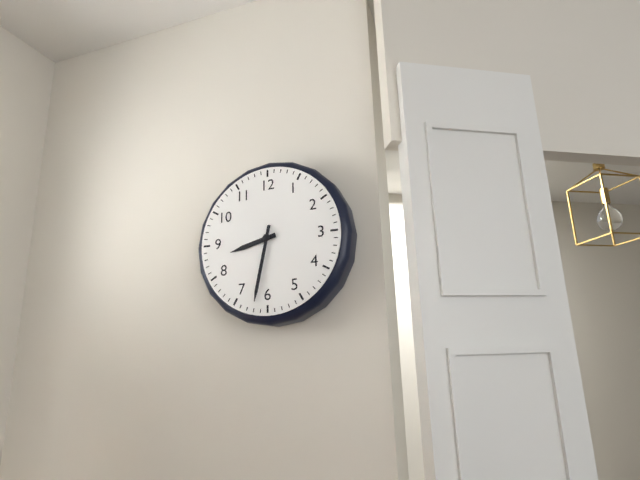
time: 8:32
